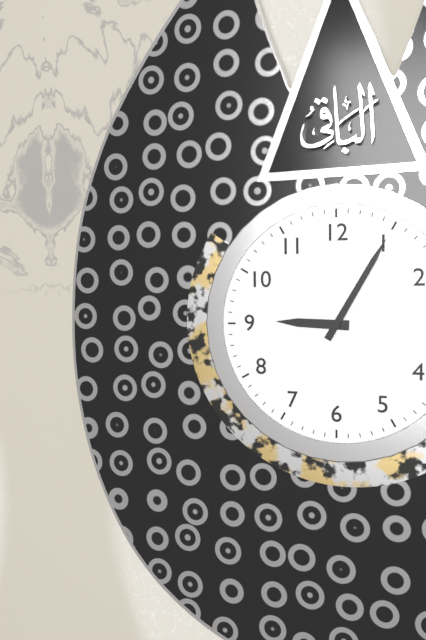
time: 9:05
